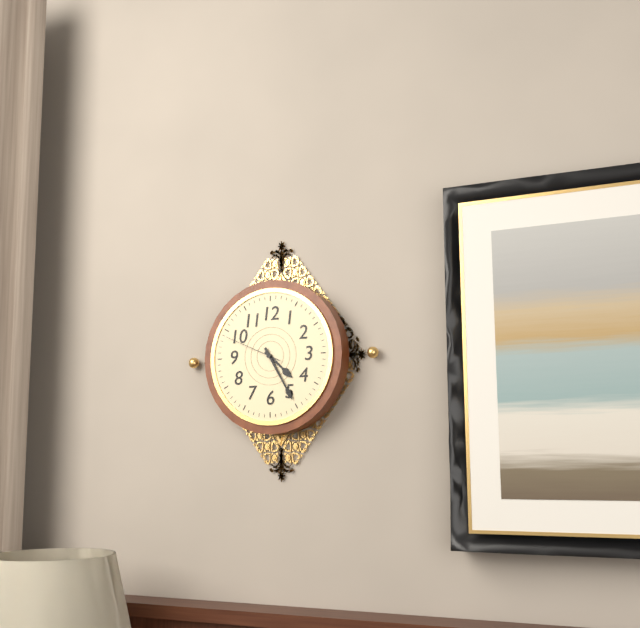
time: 4:25:49
